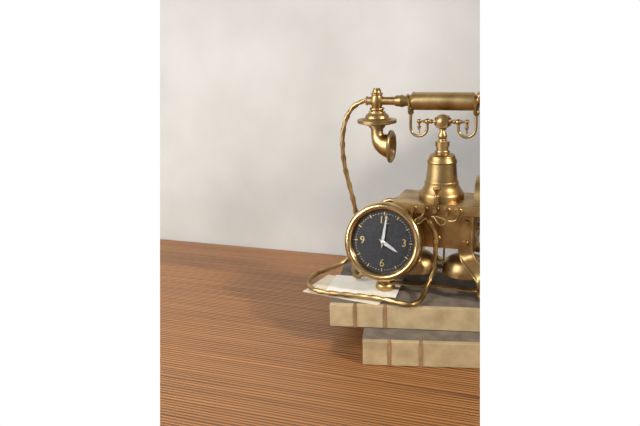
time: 4:01
